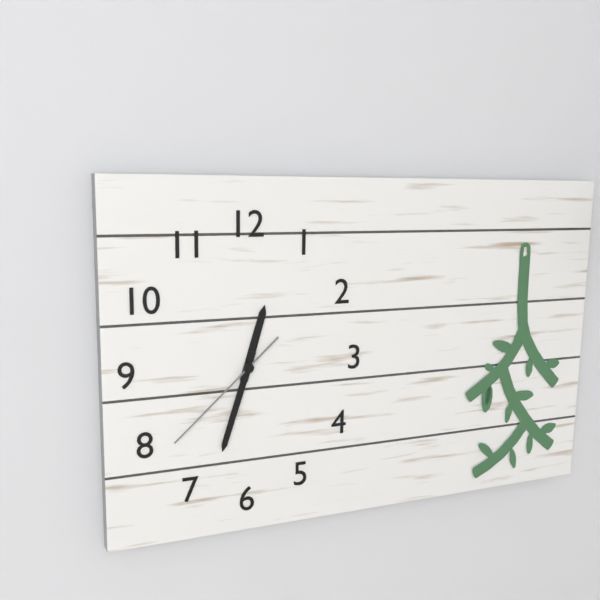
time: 12:33:38
